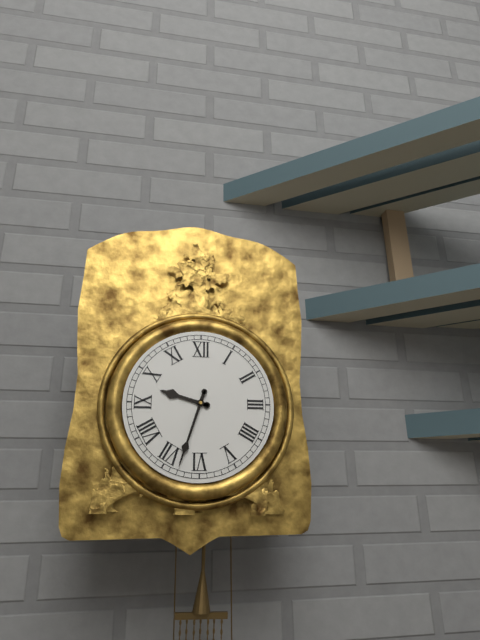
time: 9:33
